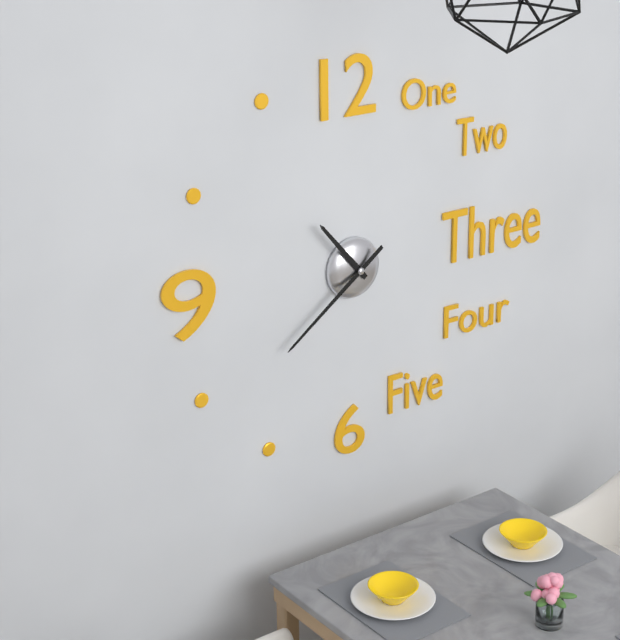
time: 10:39
